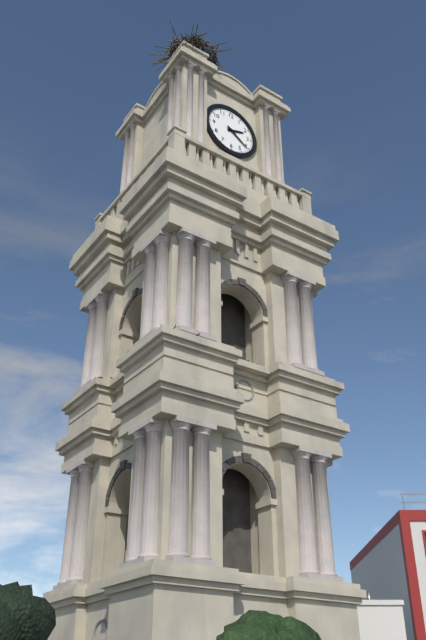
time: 2:21
